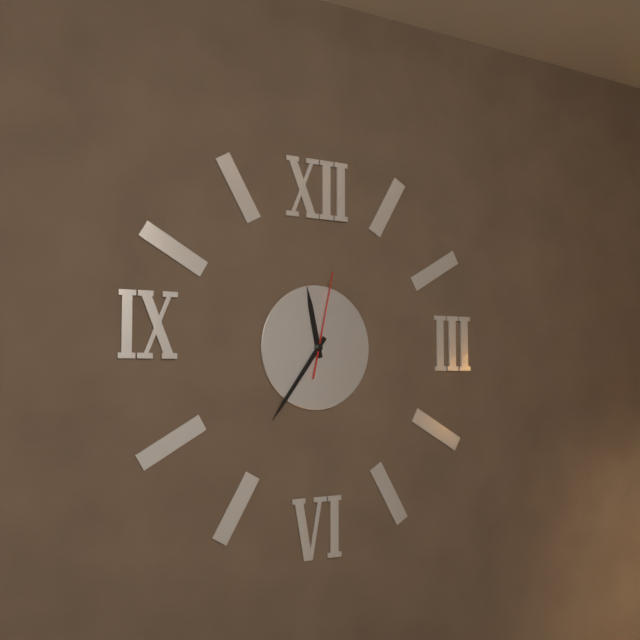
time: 11:36:02
